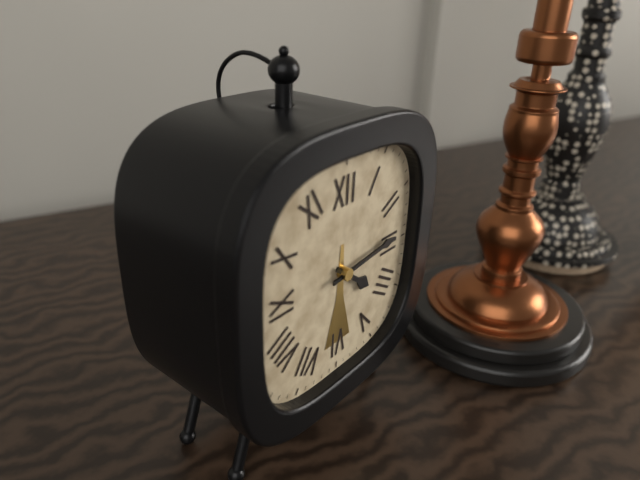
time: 4:14
